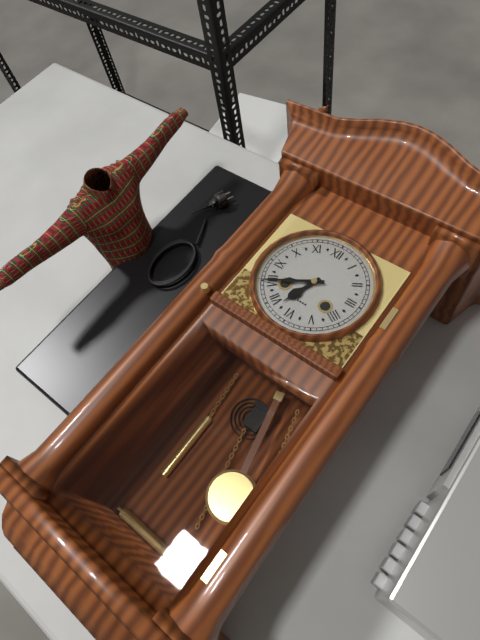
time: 6:40
